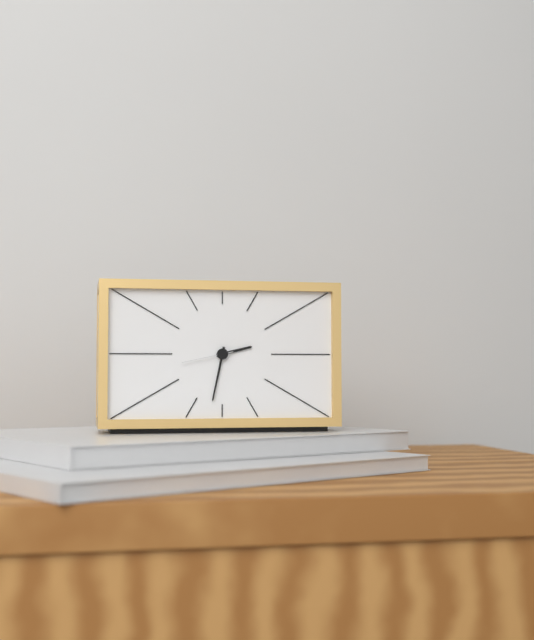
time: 2:32:43
